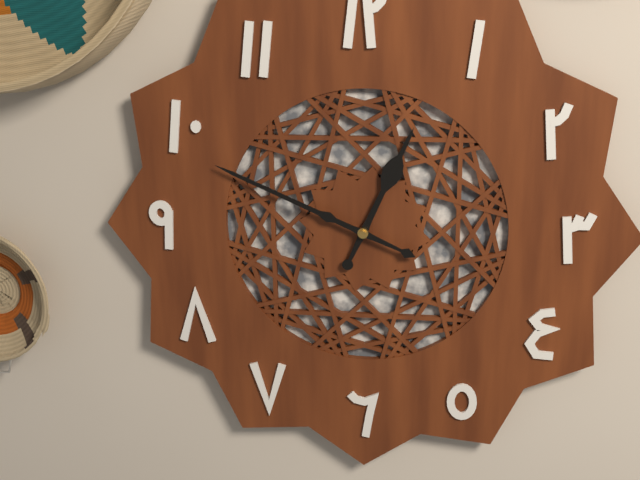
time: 12:49
